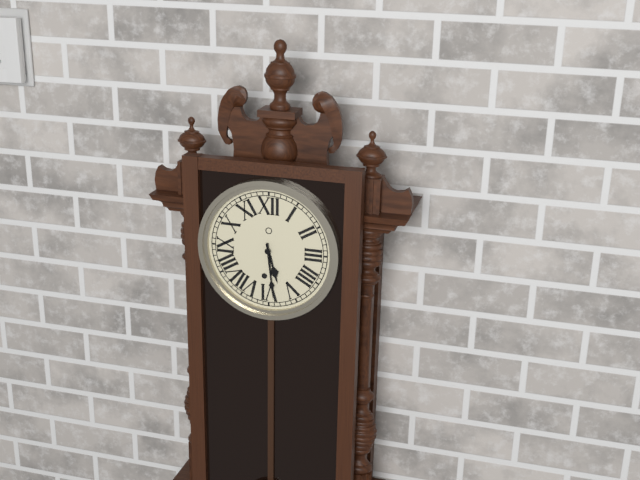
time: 5:29
